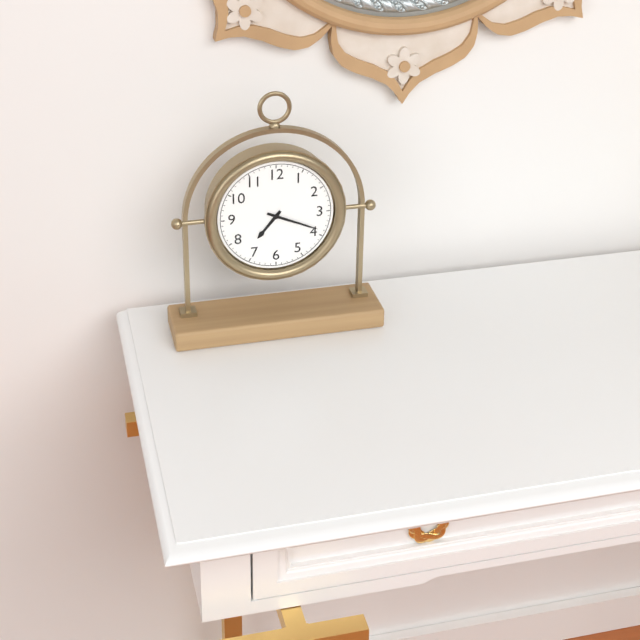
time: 7:19
